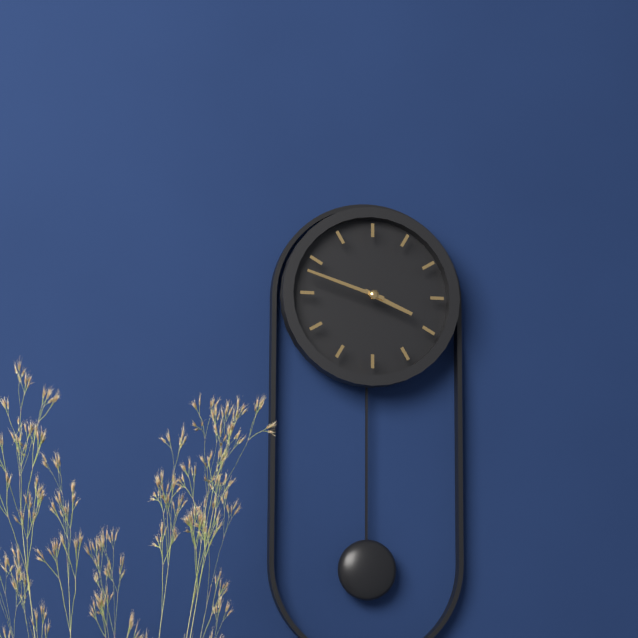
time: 3:48
